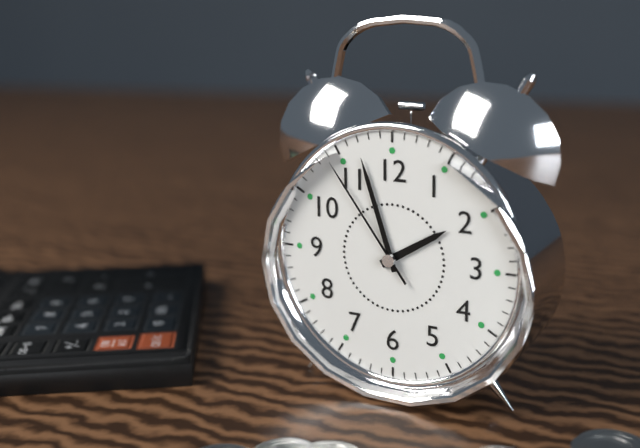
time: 1:57:54
